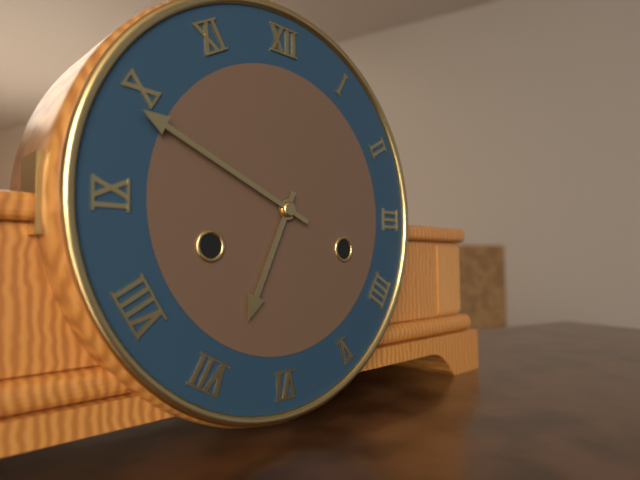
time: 6:49
